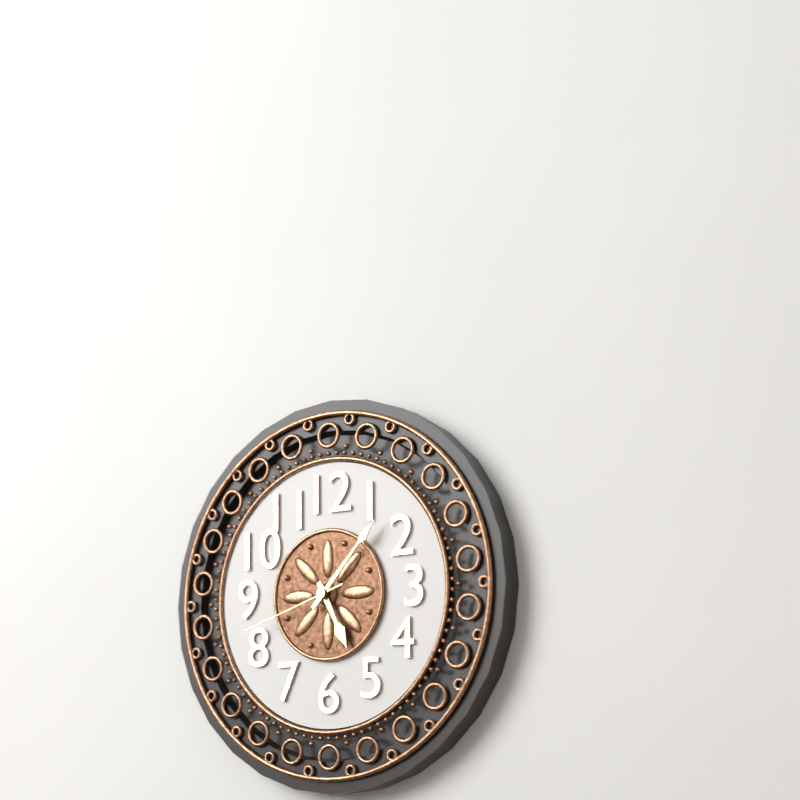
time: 5:07:42
